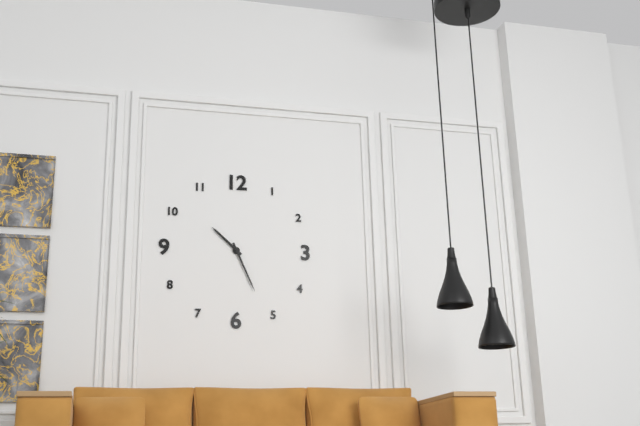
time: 10:26
